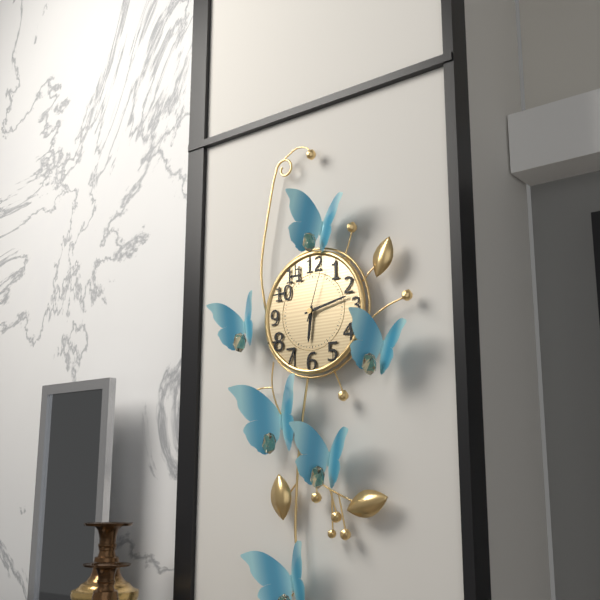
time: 6:13:03
